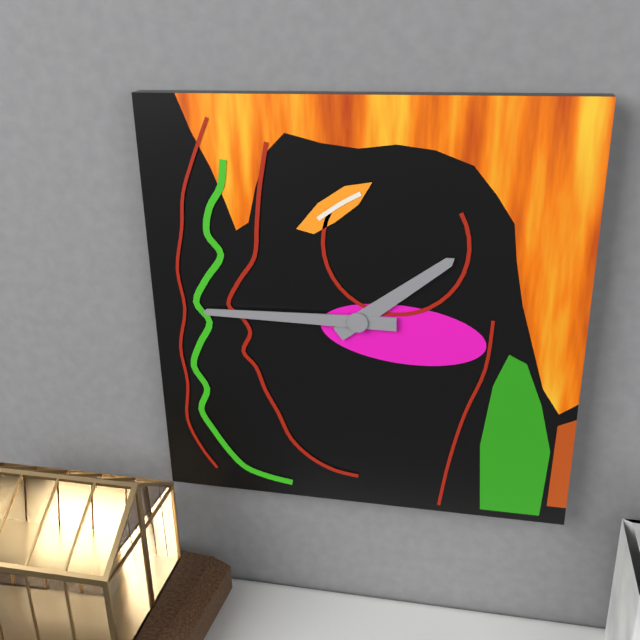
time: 1:45
